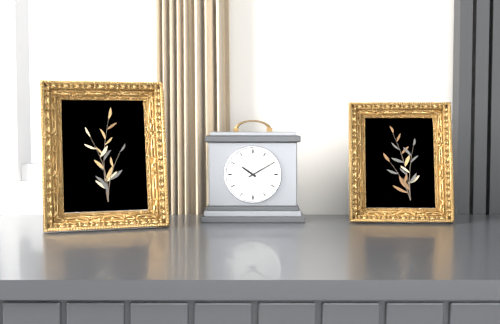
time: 10:10
